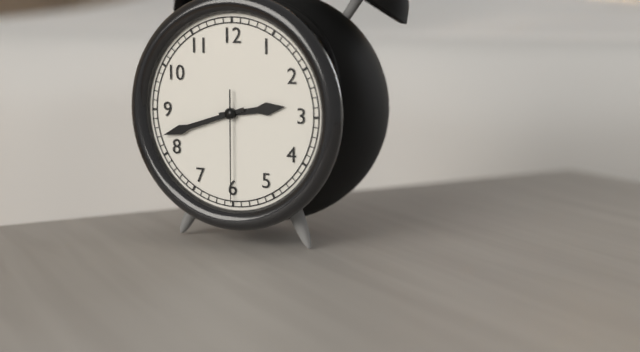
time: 2:42:30
